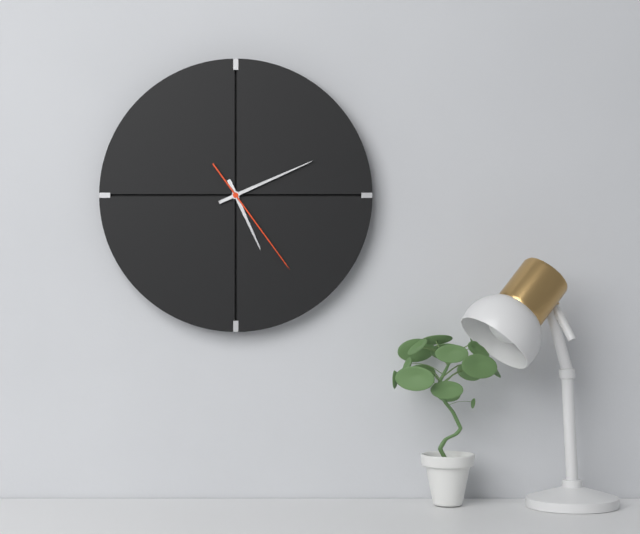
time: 5:11:24
